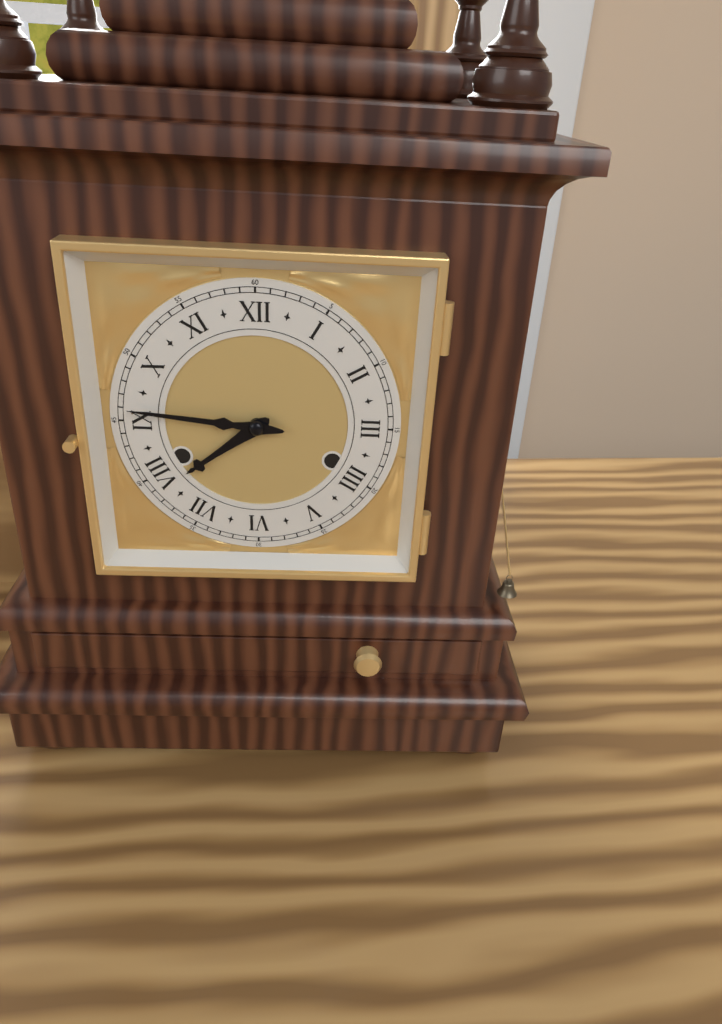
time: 7:46
